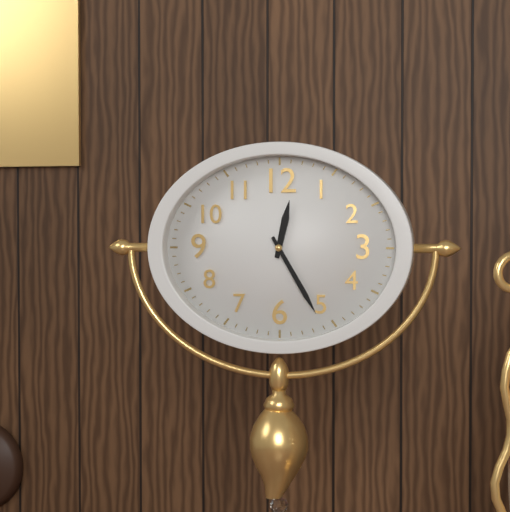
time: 12:25
